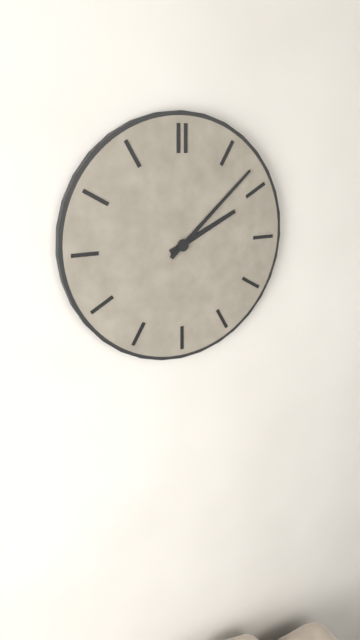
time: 2:08
